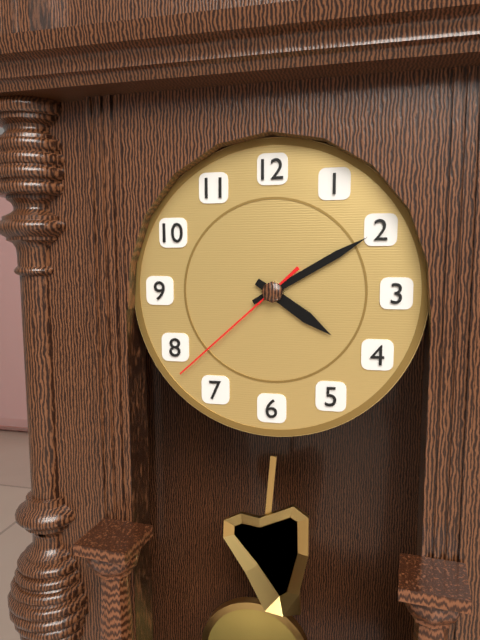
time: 4:10:38
